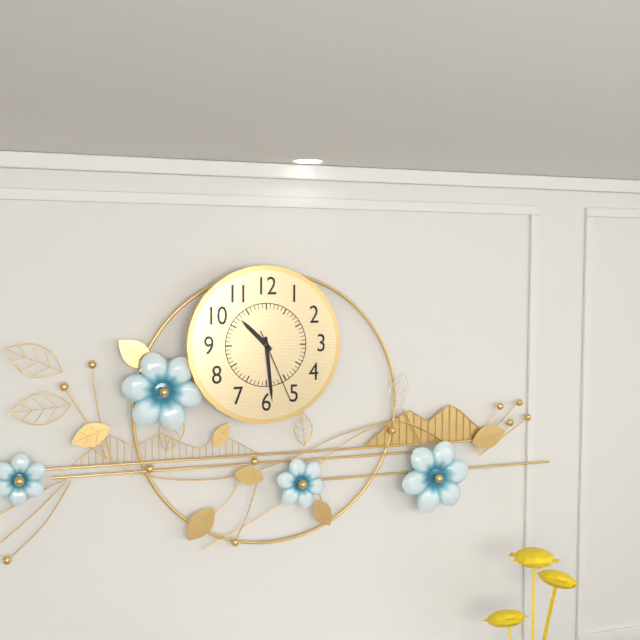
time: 10:29:26
